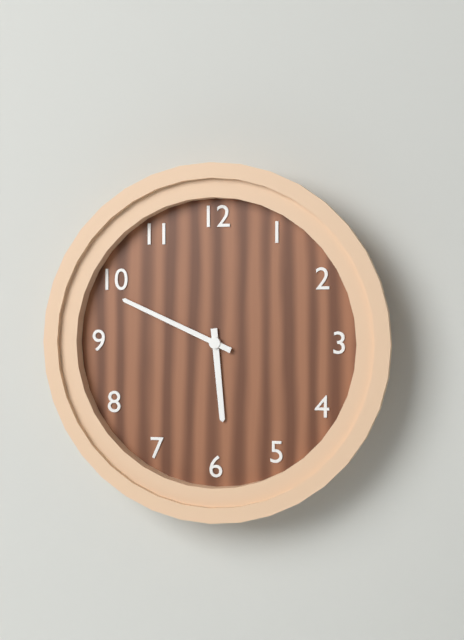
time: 5:49
